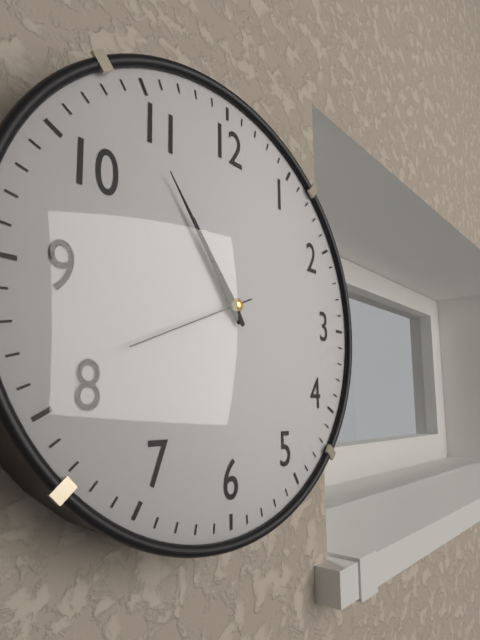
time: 10:54:41
